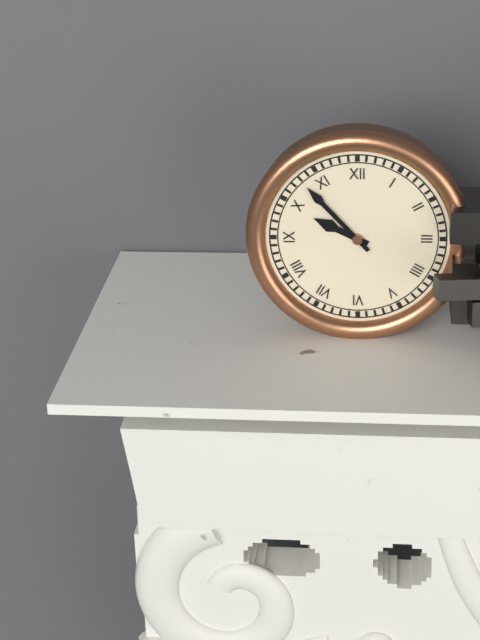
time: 9:53
